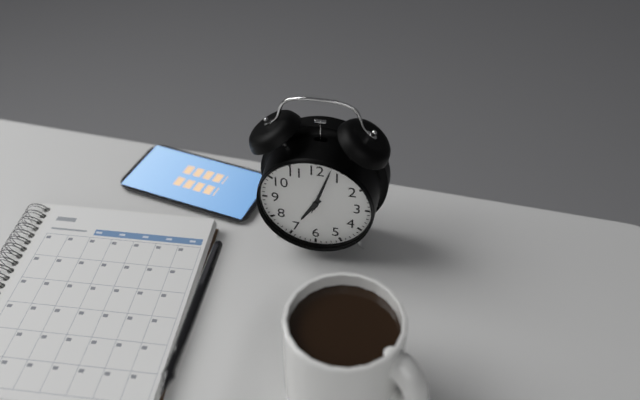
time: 7:03
